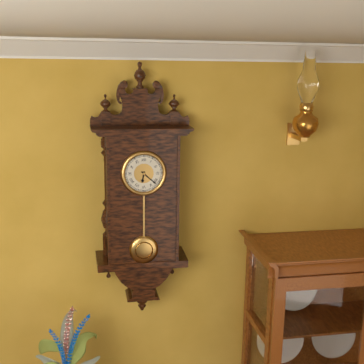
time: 6:22
